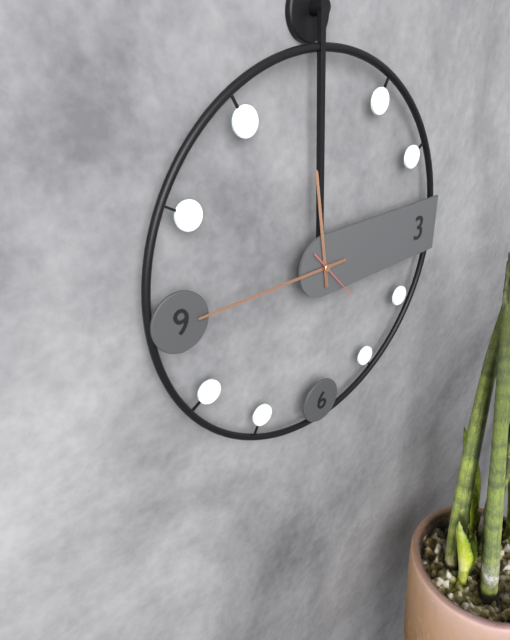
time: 11:45
